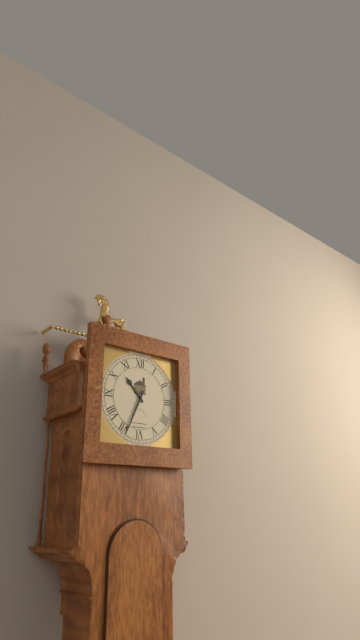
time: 10:34
